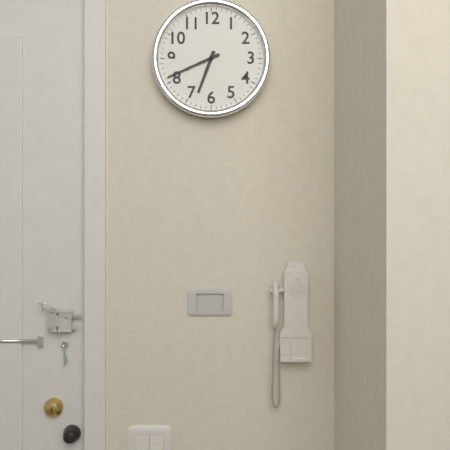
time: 6:41
